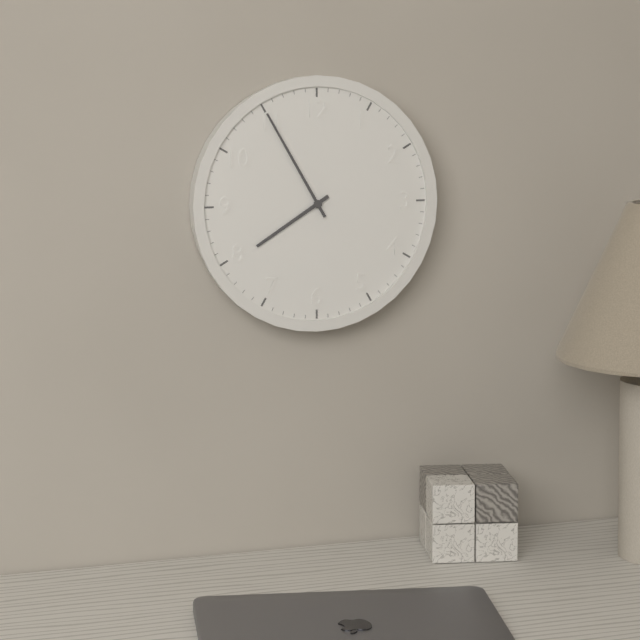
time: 7:55
